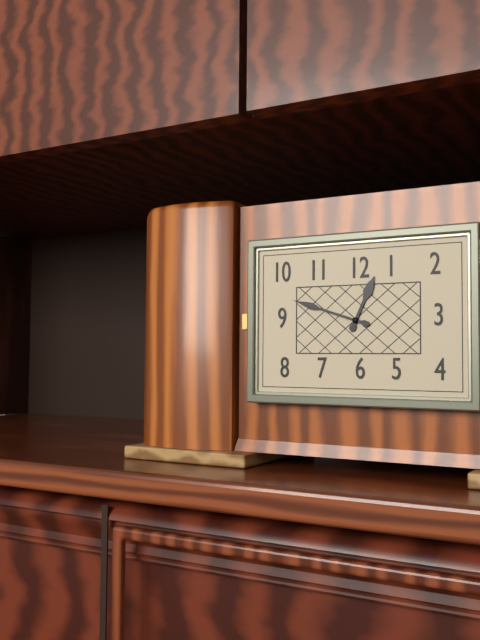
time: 12:48
